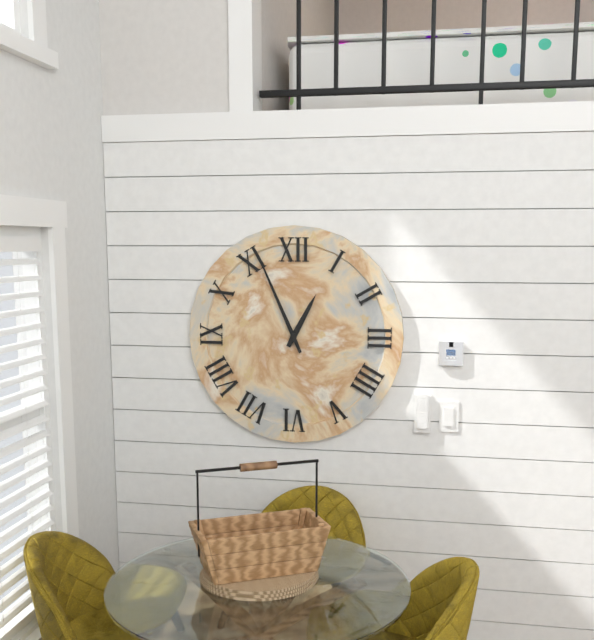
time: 12:56
